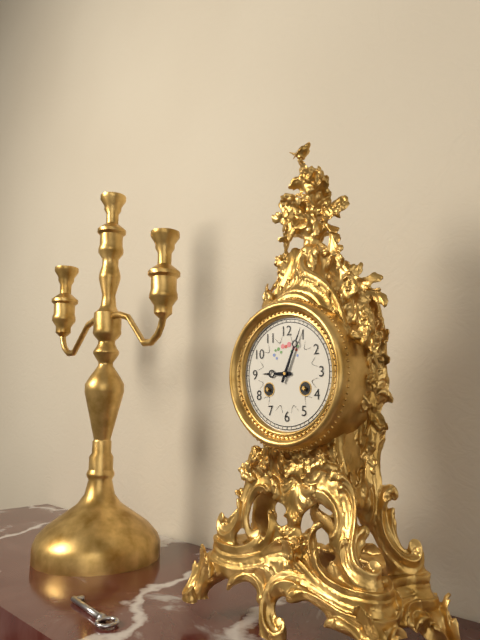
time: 9:04
